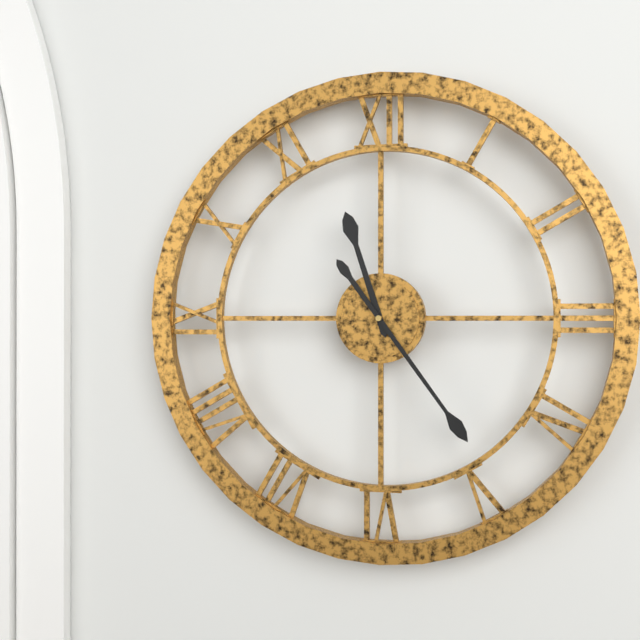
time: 11:24
